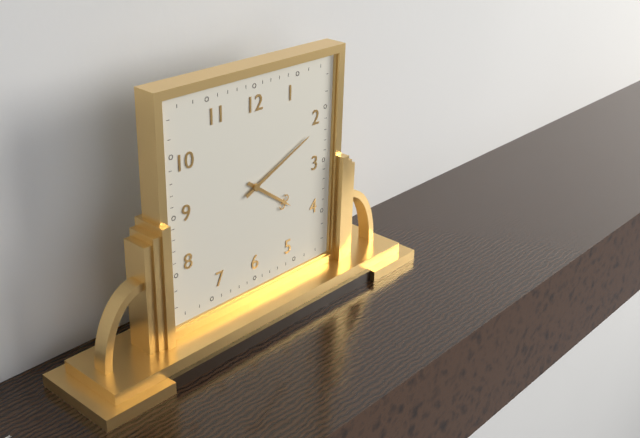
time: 4:11
